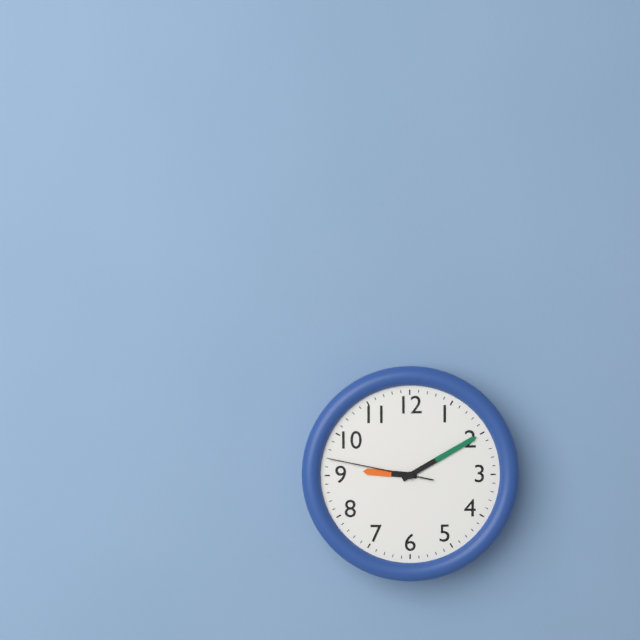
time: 9:10:47
